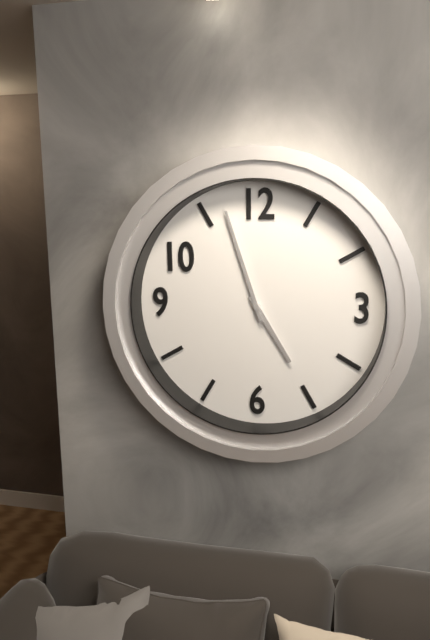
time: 4:57
